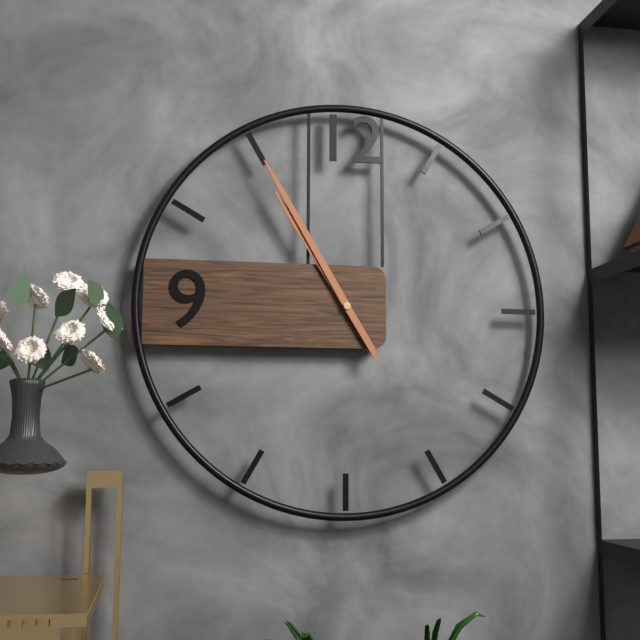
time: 10:55
